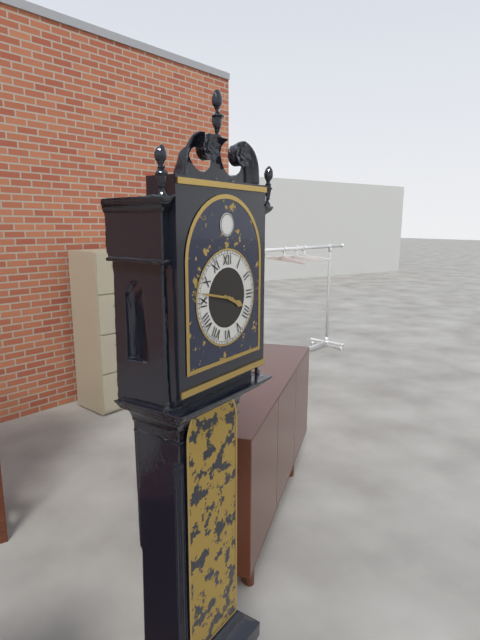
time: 3:47
